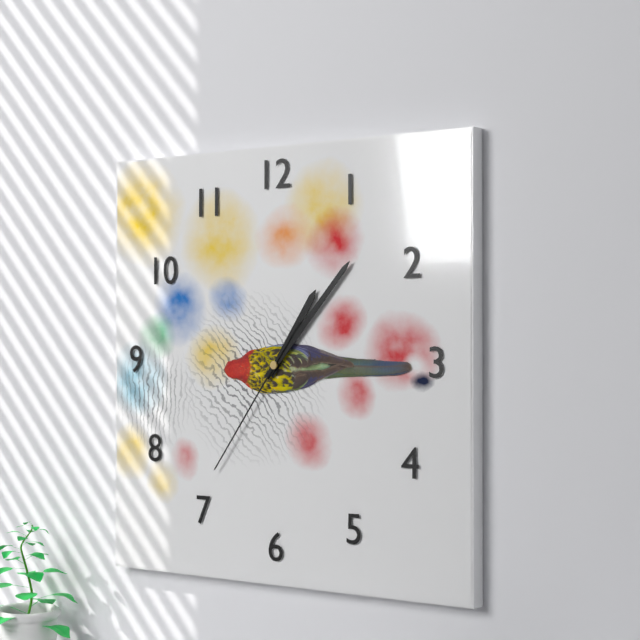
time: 1:07:36
